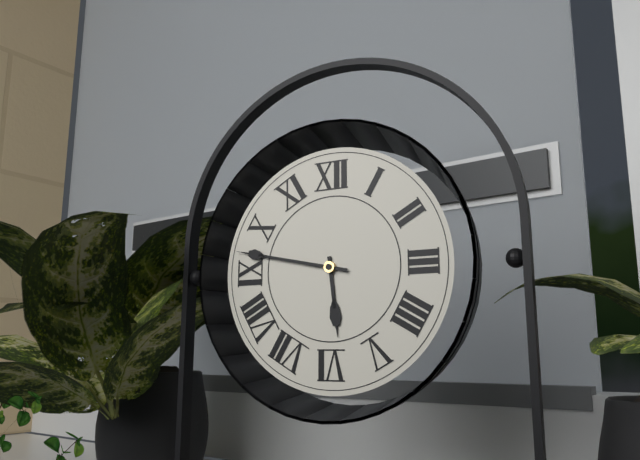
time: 5:47
